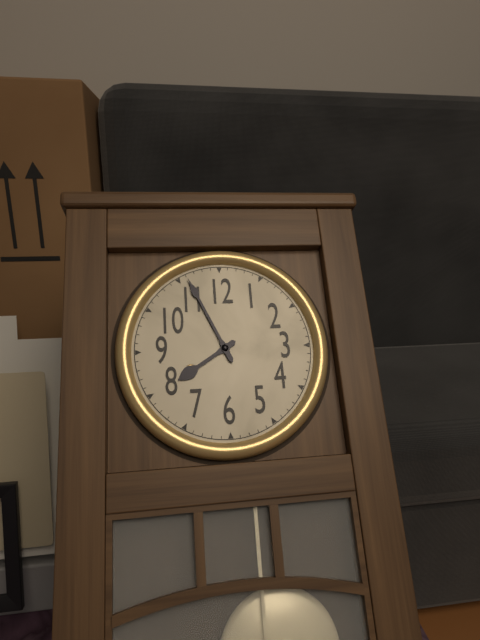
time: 7:56
